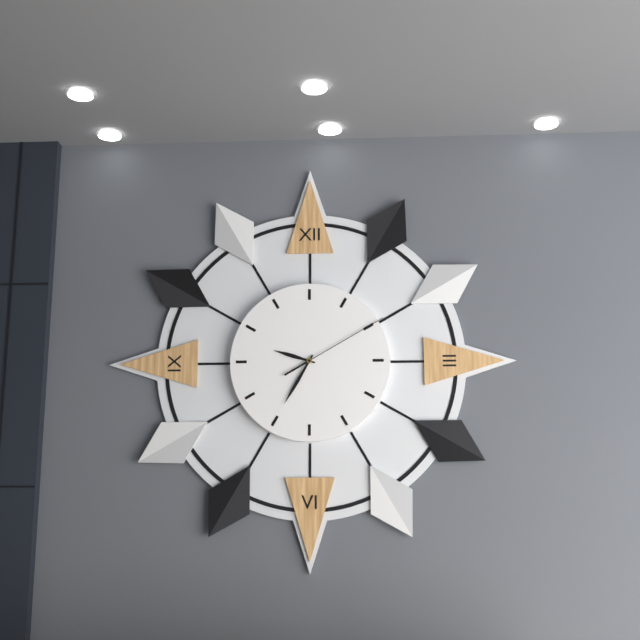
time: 9:35:10
